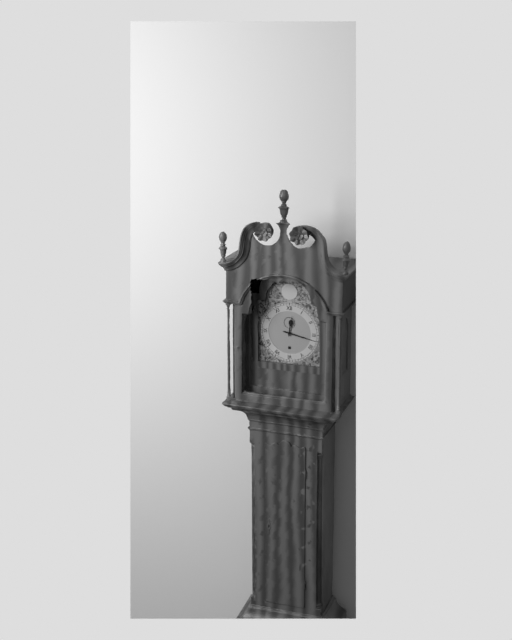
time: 12:17
